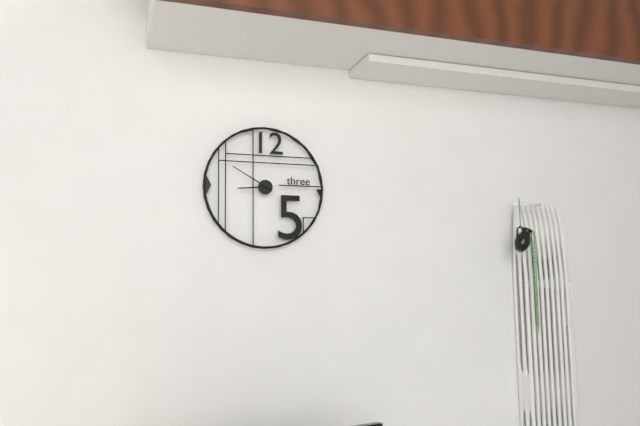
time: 8:50
